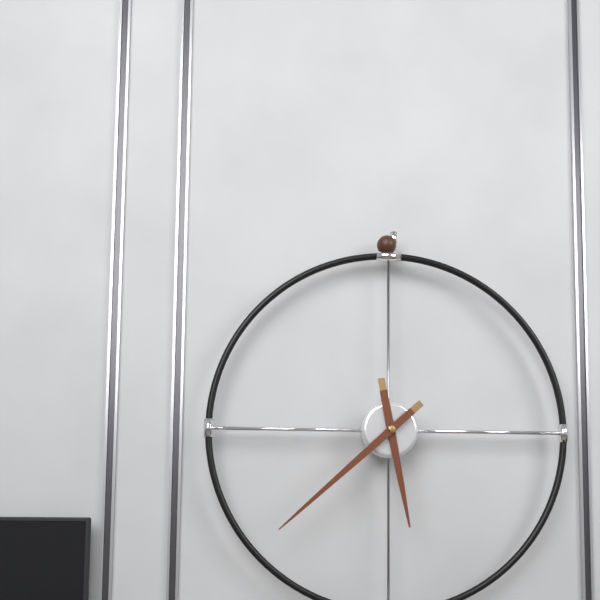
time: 5:38
